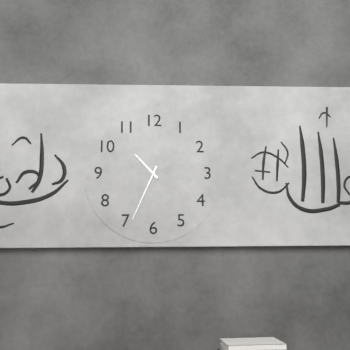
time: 10:34
